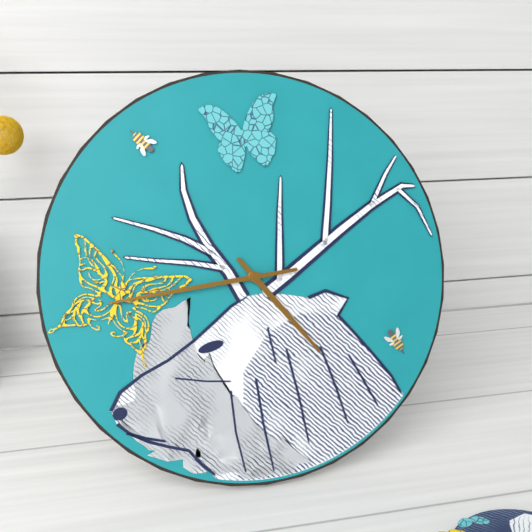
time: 4:44
